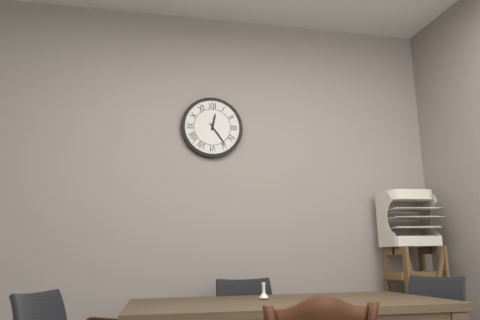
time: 12:24
